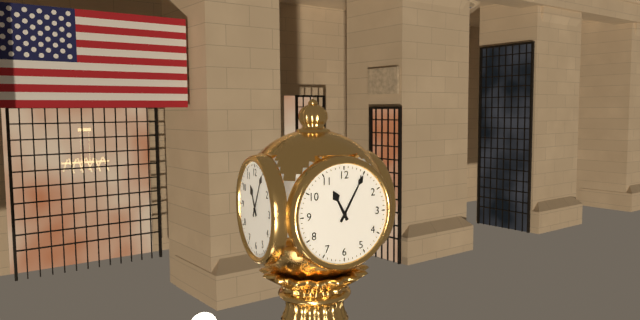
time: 11:05
